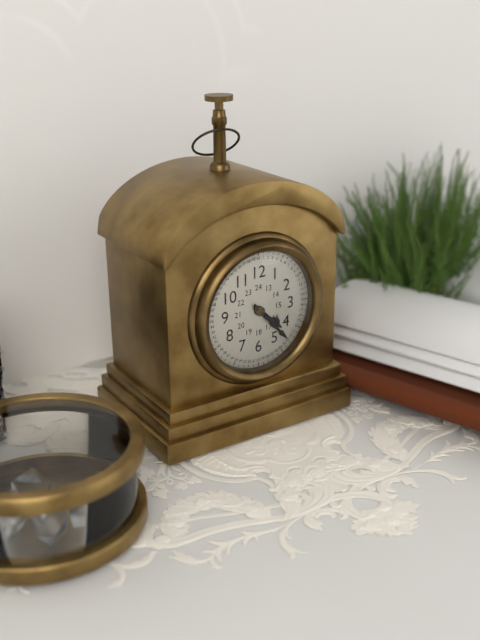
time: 4:23
